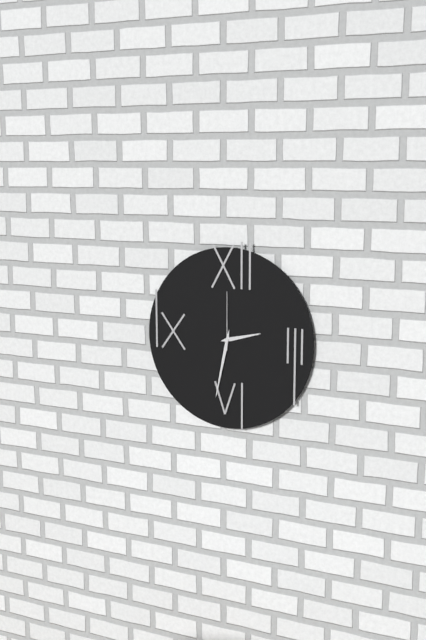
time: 2:32:00
